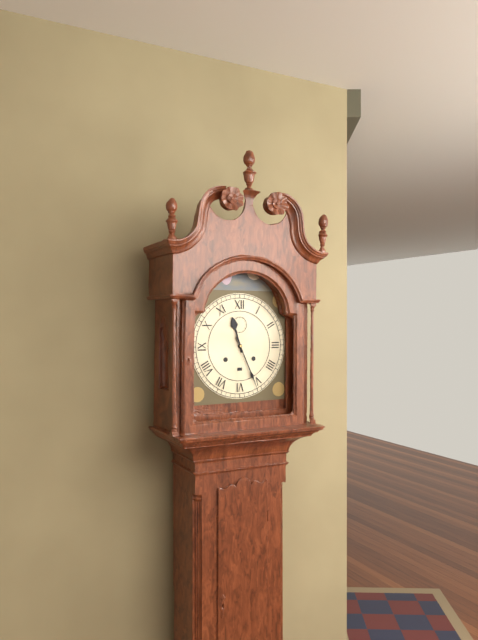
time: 11:26
